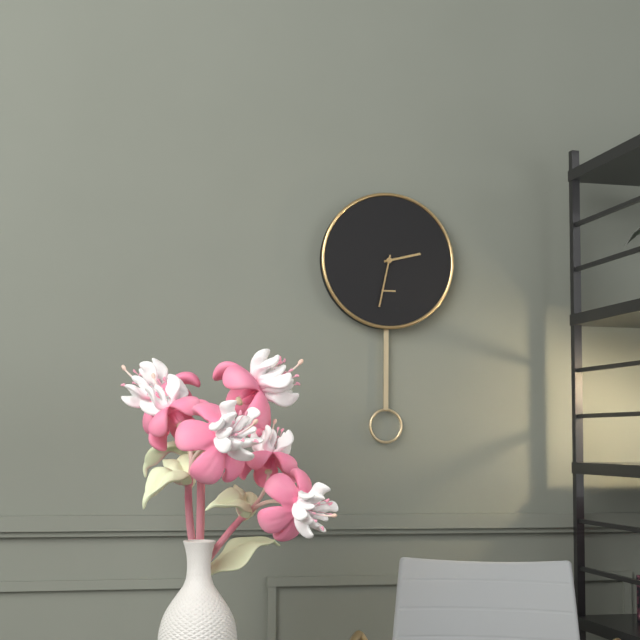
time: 2:32
